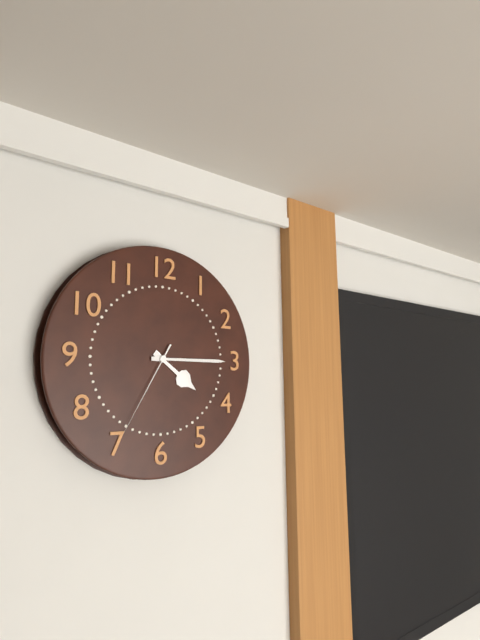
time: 4:15:35
